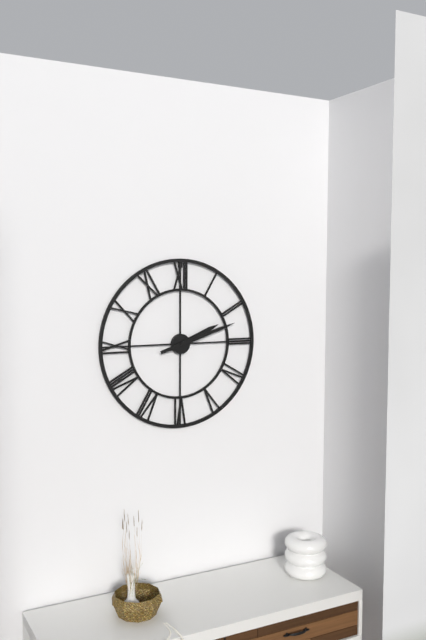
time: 2:12
